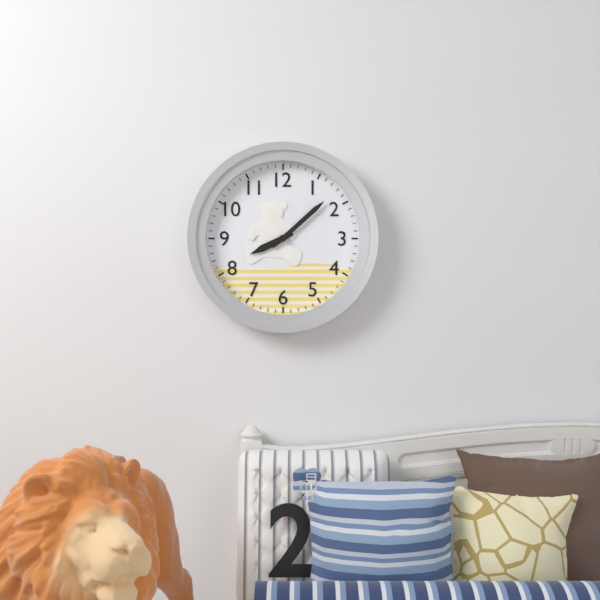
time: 8:08
